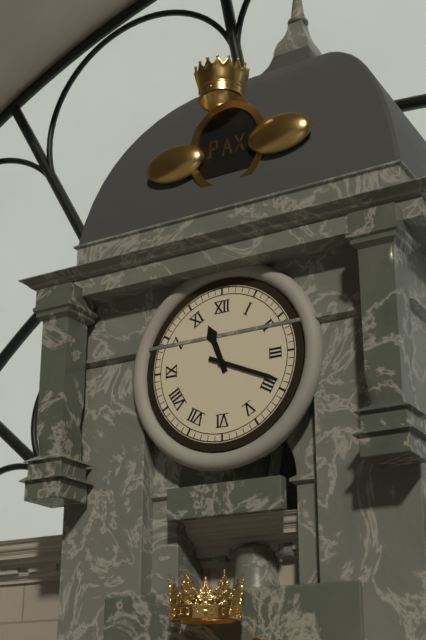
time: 11:19
